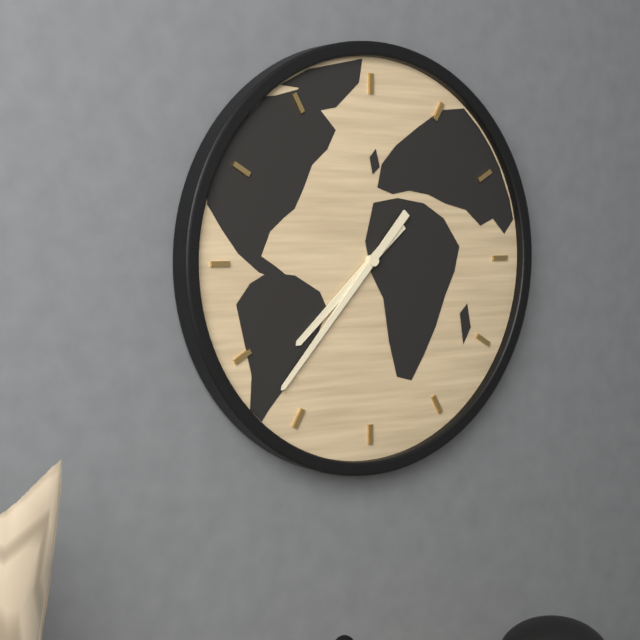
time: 7:37
